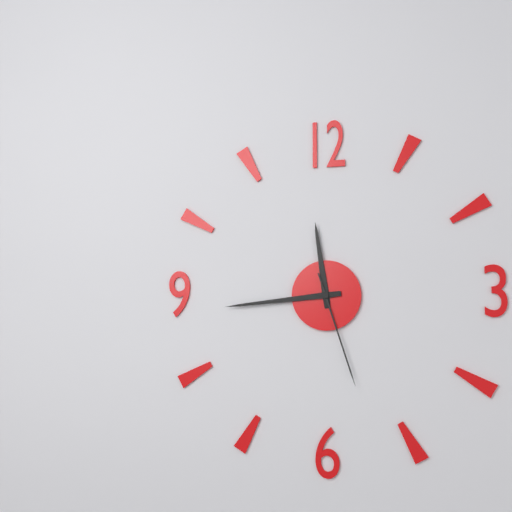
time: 11:44:27
